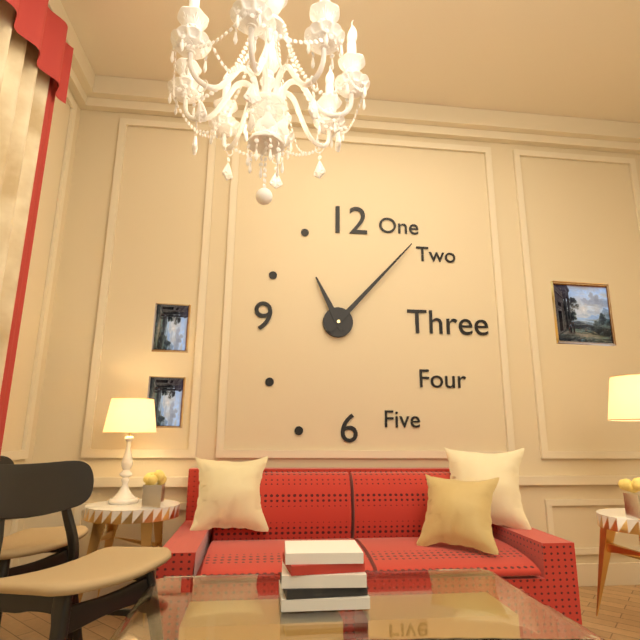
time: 11:07
